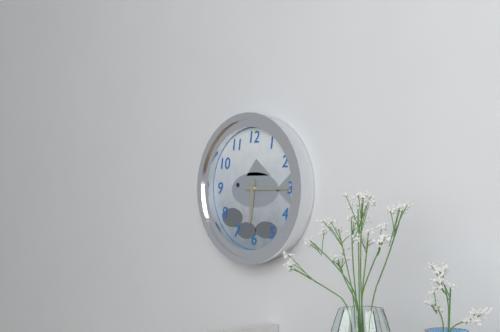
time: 6:15
